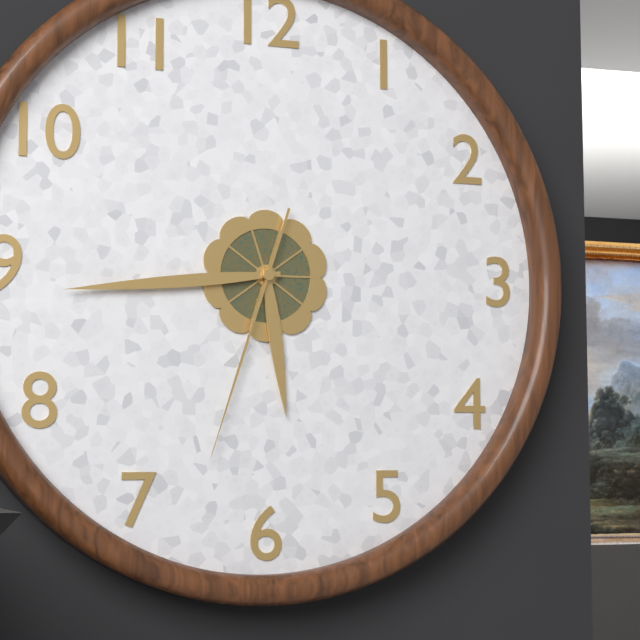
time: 5:44:33
